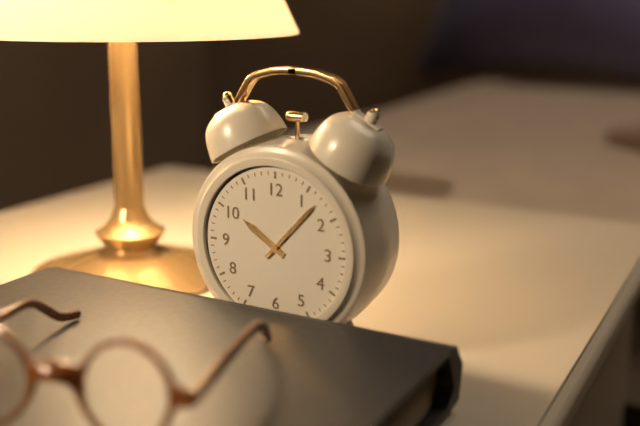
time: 10:07
